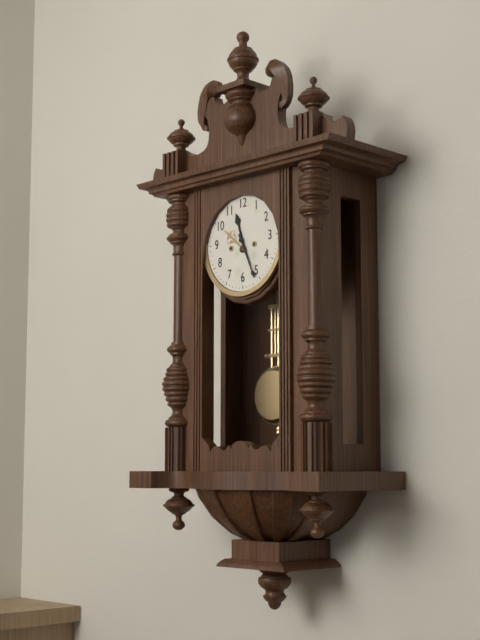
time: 11:26
